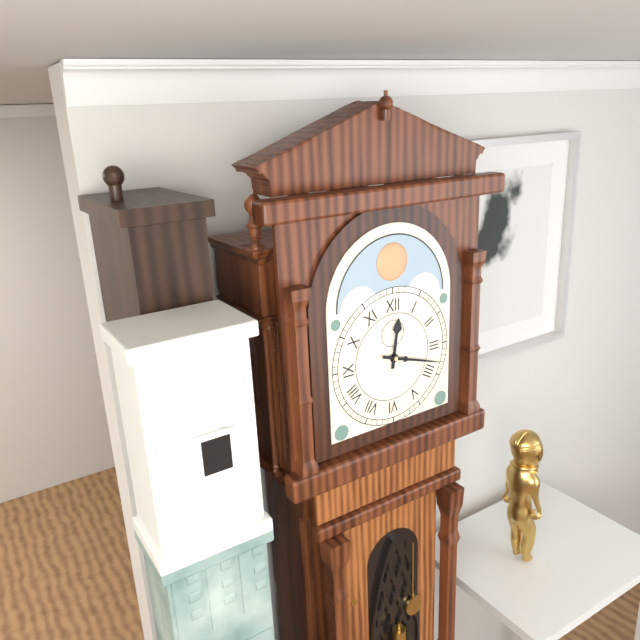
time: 12:18
